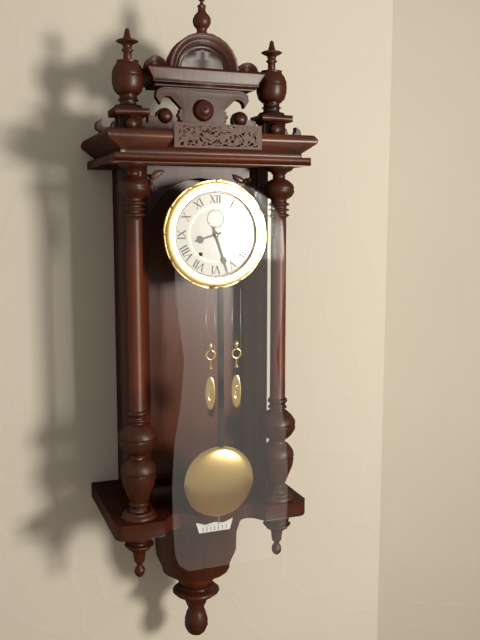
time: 8:27
